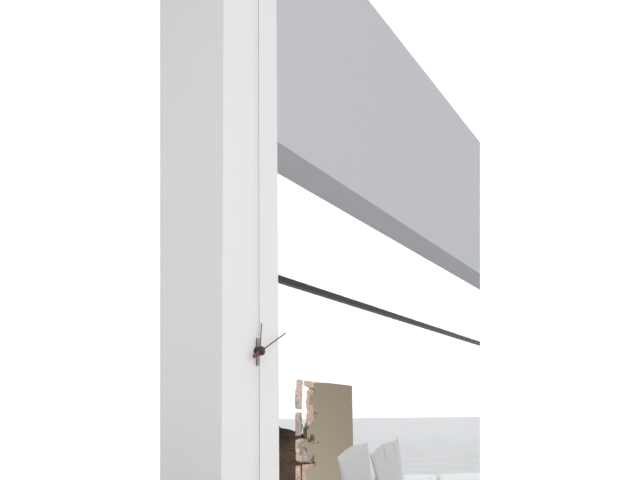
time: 12:10
